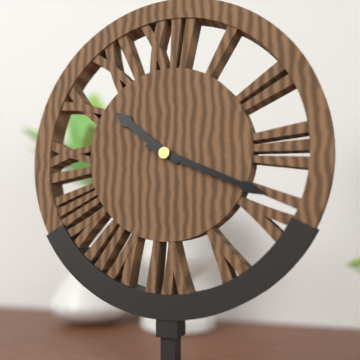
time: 10:19
